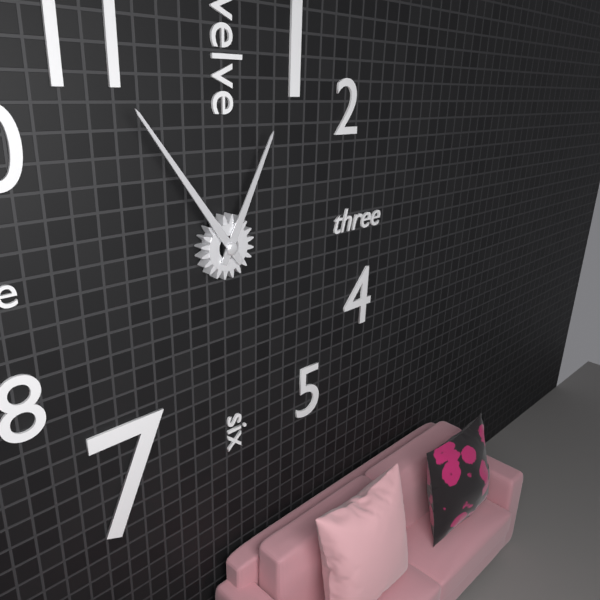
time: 12:54
